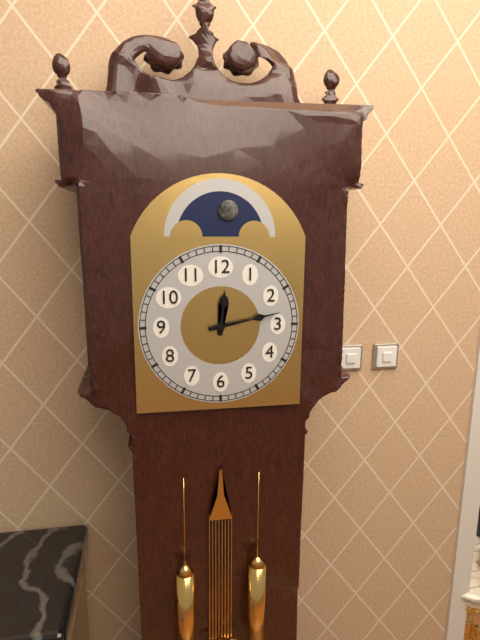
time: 12:13
